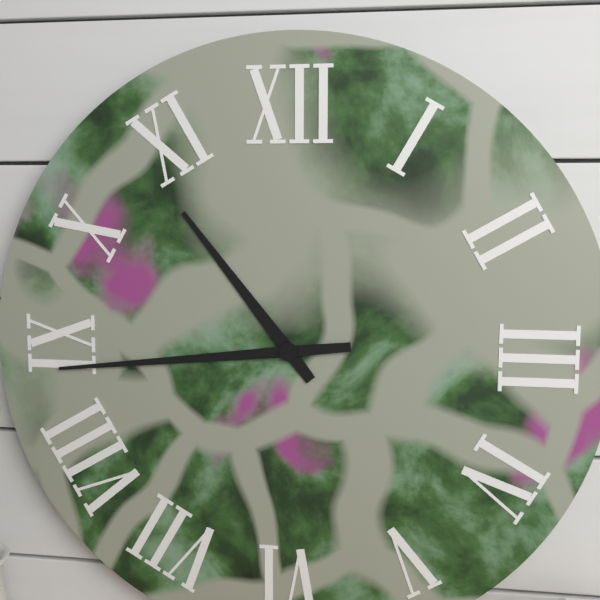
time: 10:44
